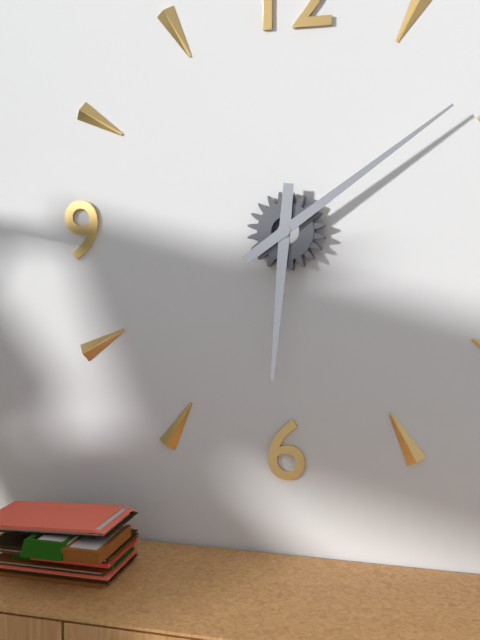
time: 6:09
